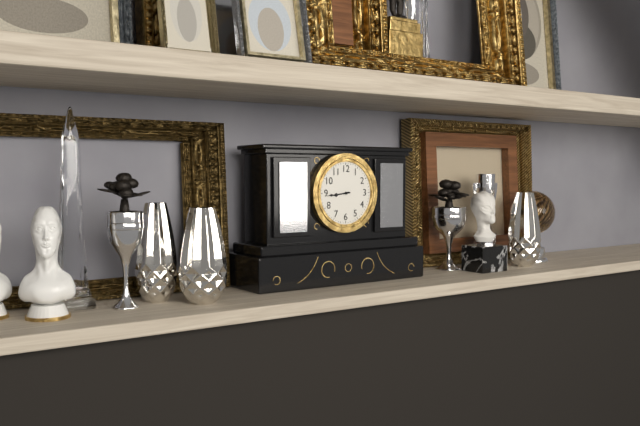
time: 8:44
